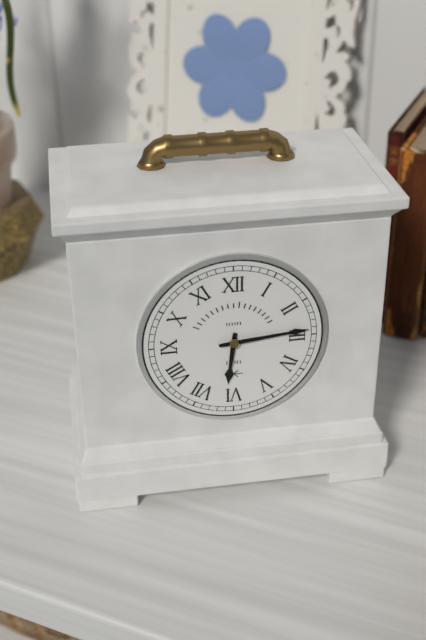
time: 6:14
